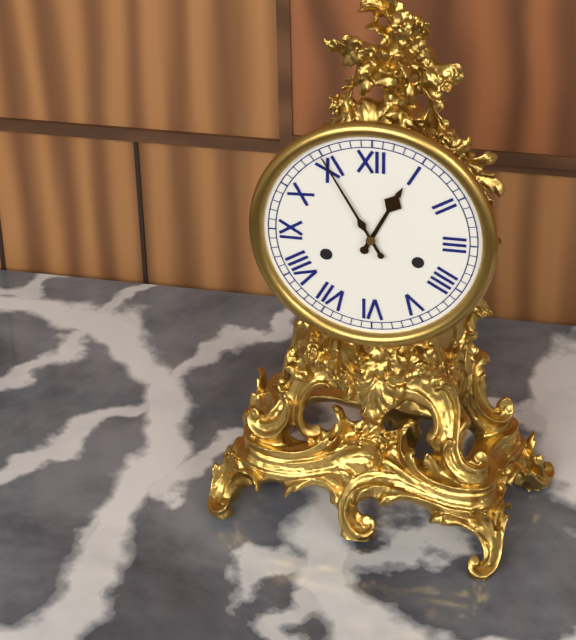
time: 12:55
